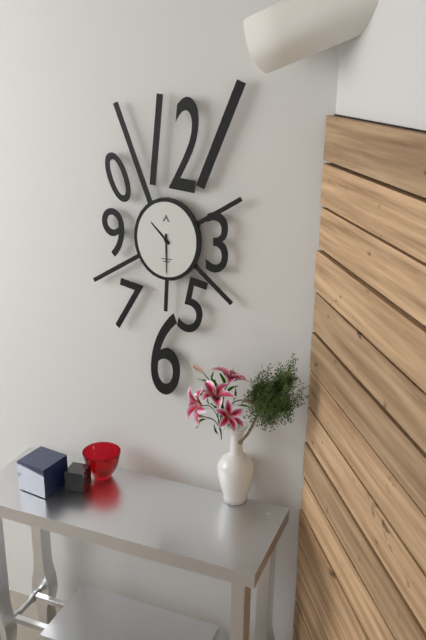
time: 10:30
